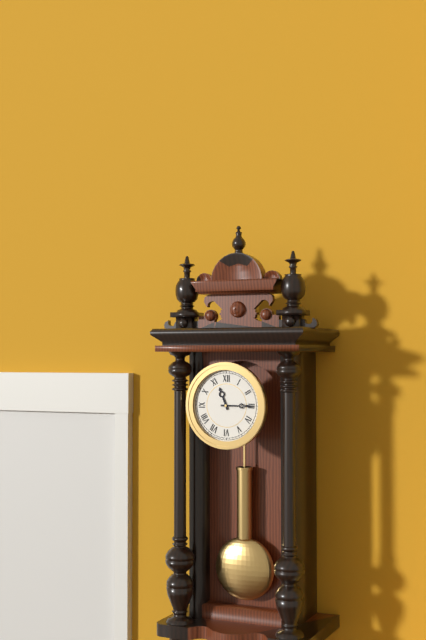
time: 11:15
